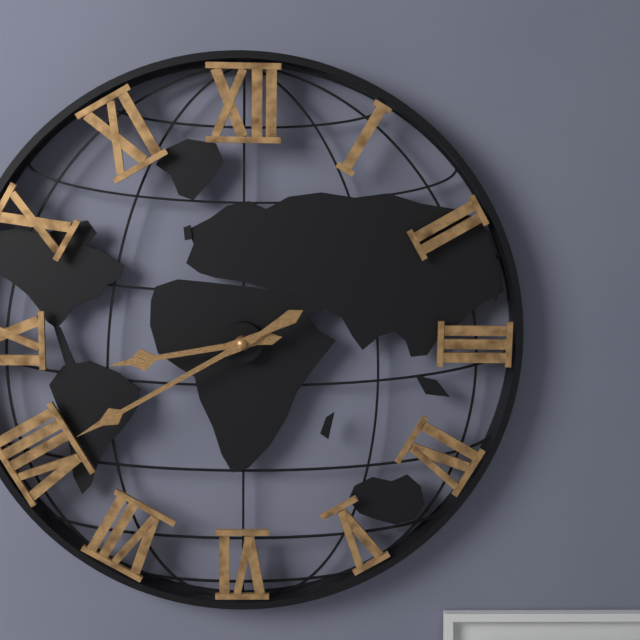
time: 8:40
